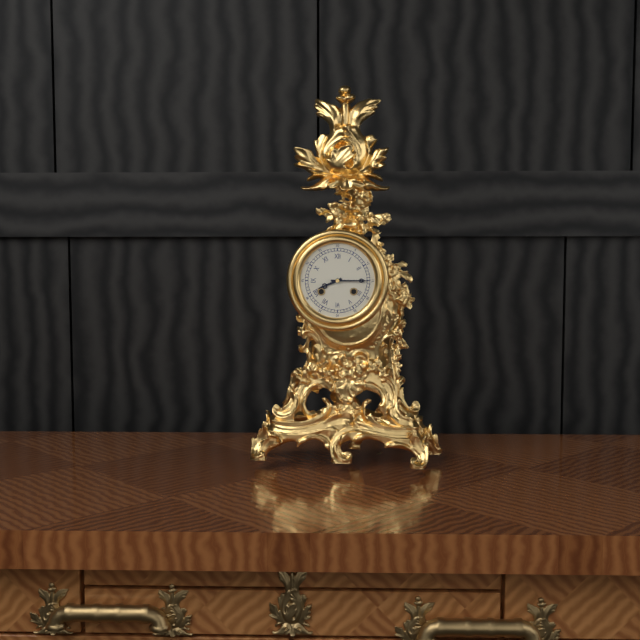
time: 8:15
